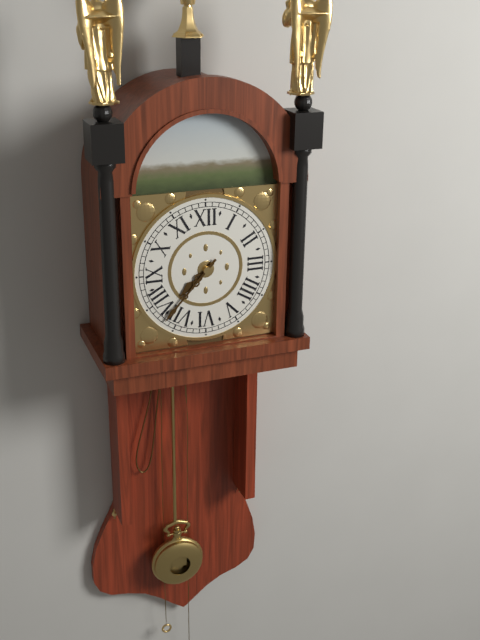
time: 7:37
